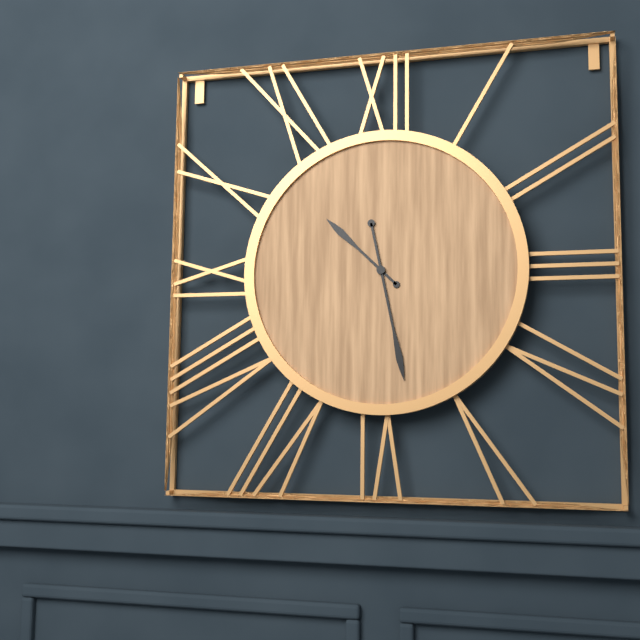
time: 10:28
